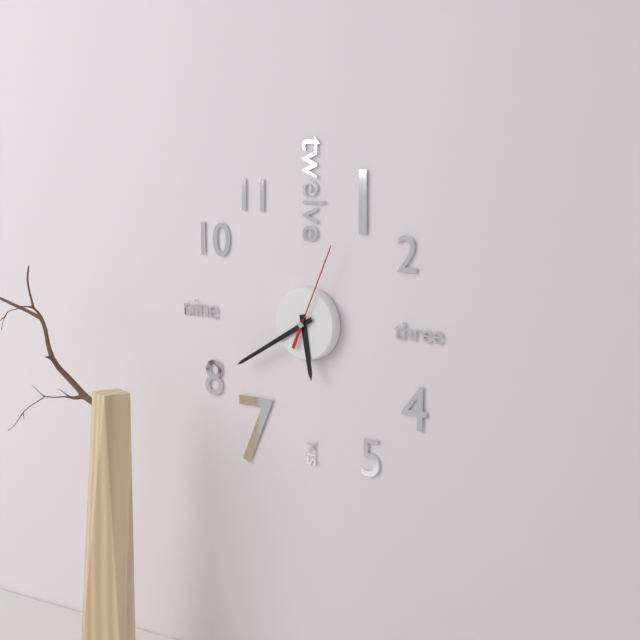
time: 5:40:04
